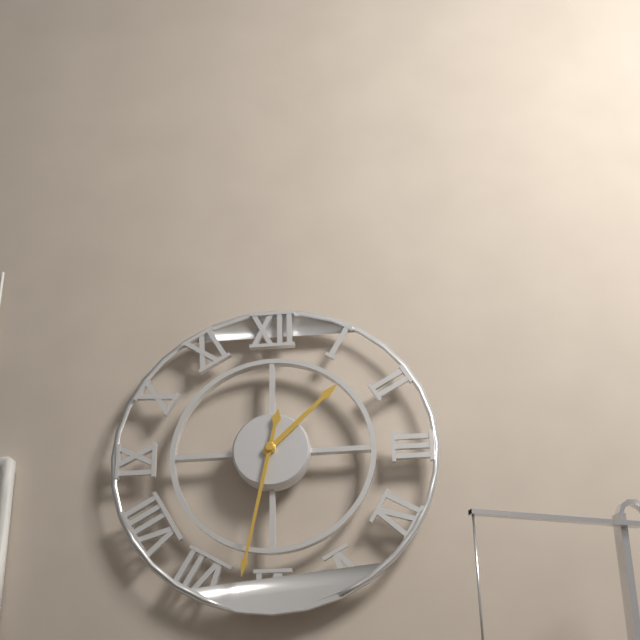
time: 1:32
